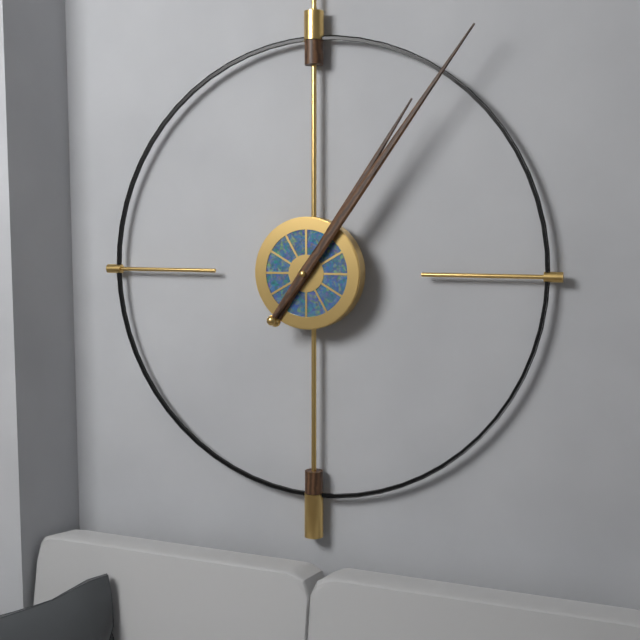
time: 1:06
